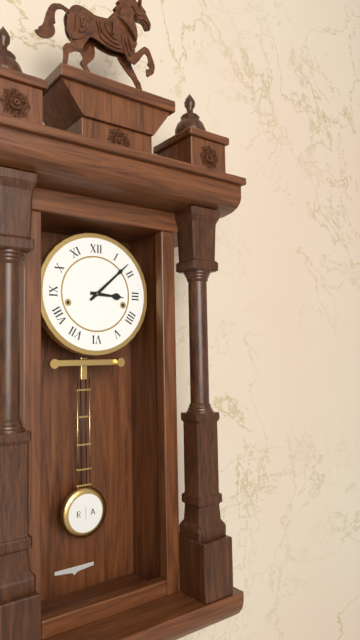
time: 3:08
